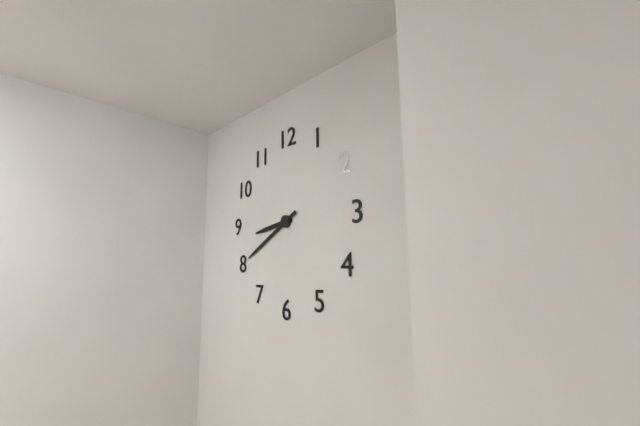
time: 8:40
